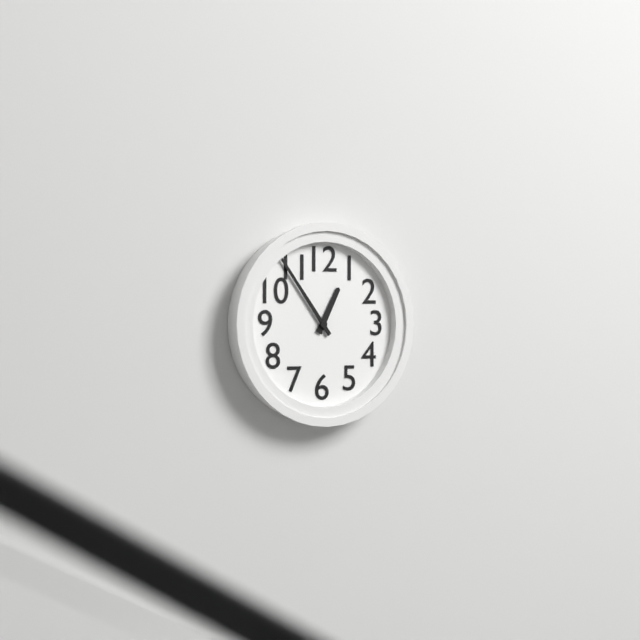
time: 12:54
